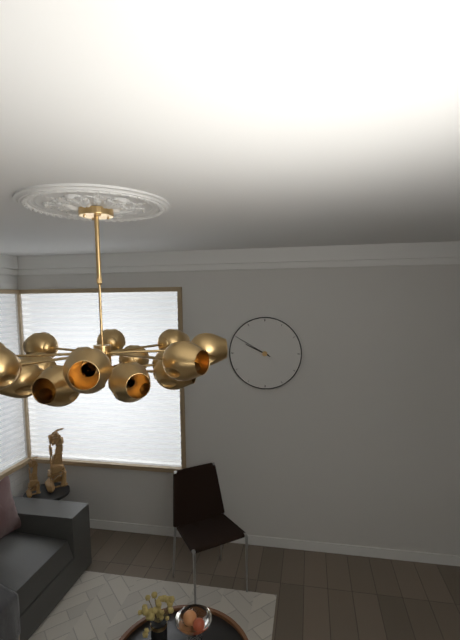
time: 9:50
